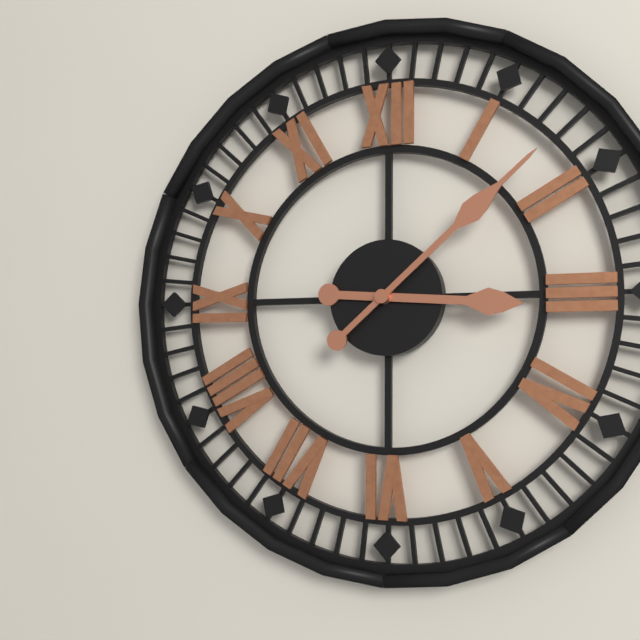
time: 3:08
